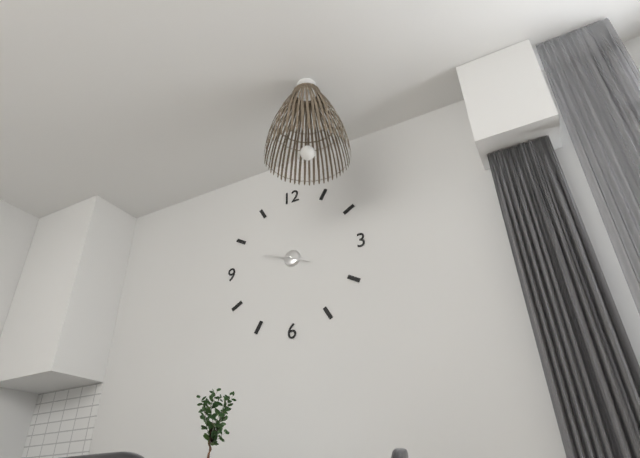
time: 3:48
